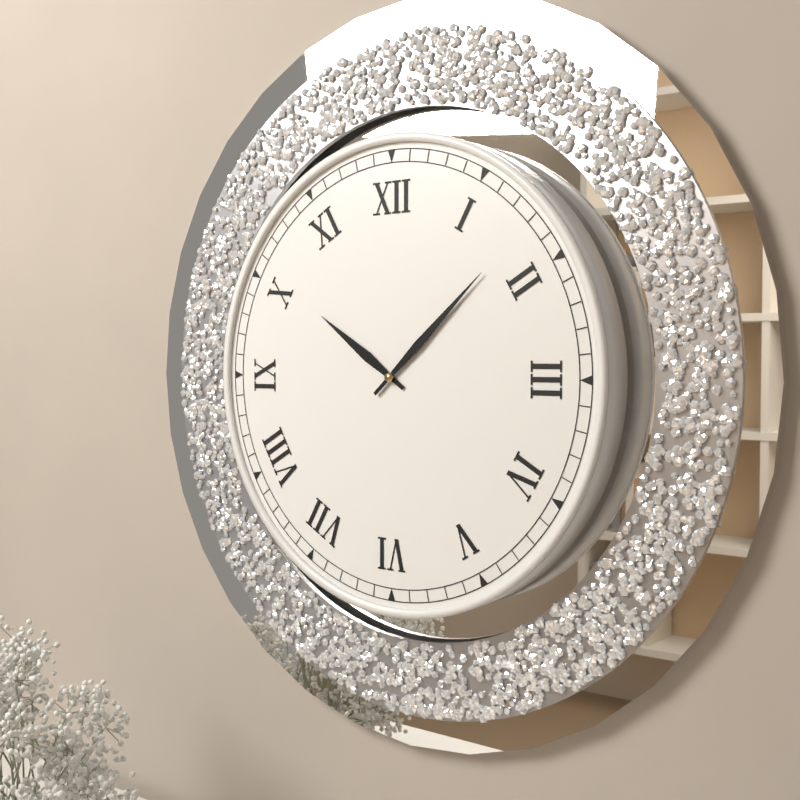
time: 10:08
